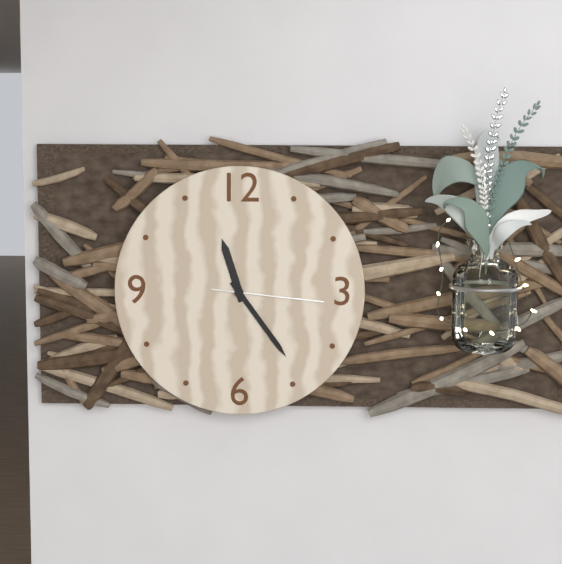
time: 11:24:16
